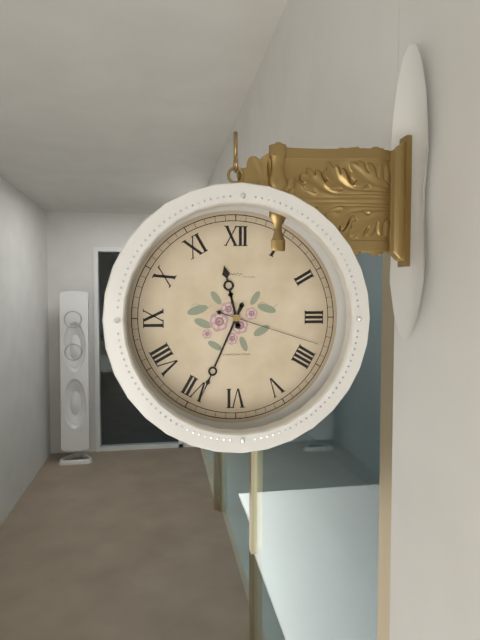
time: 11:34:18
